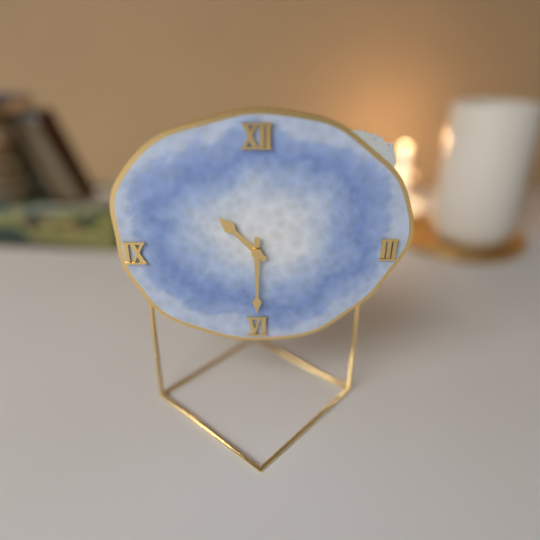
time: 10:30
